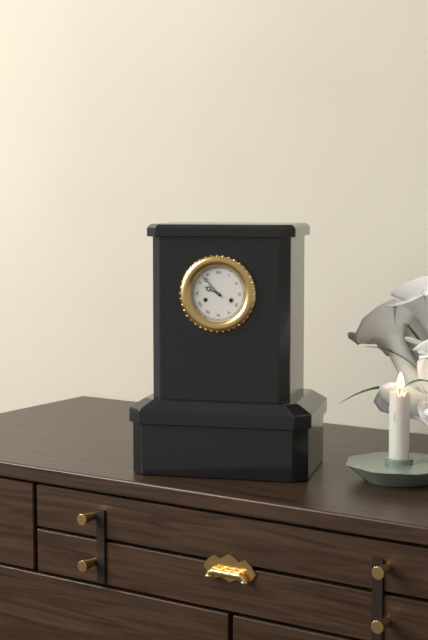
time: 9:53
